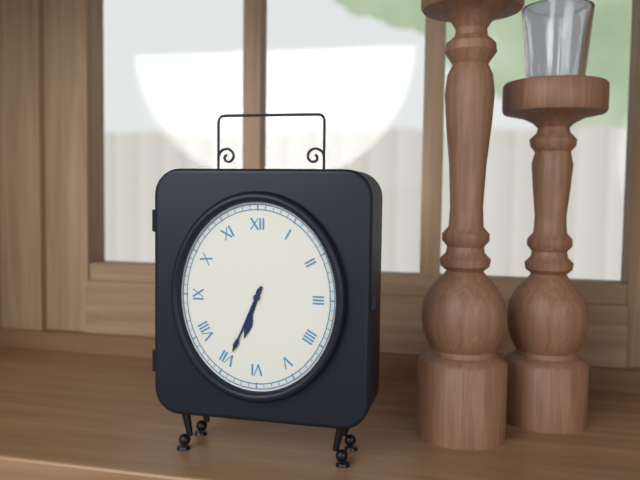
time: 6:34
